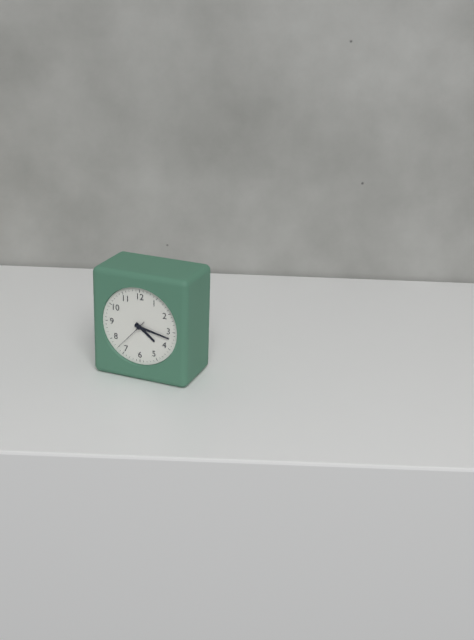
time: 4:17:37
